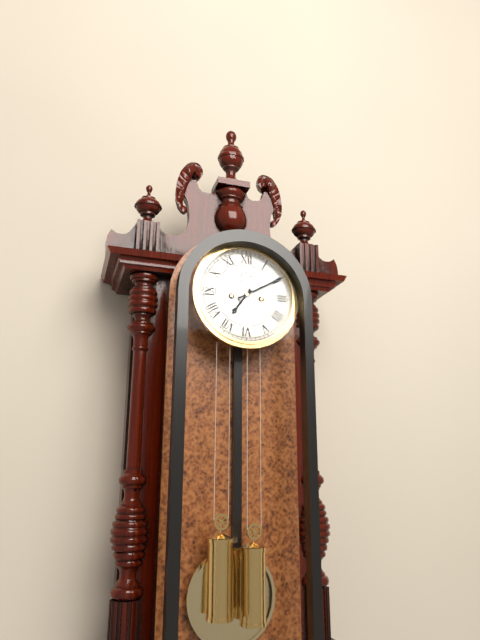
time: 7:10
